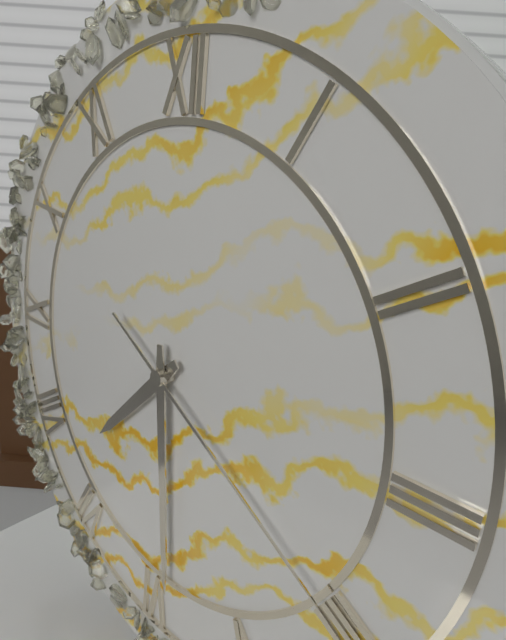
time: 7:29
